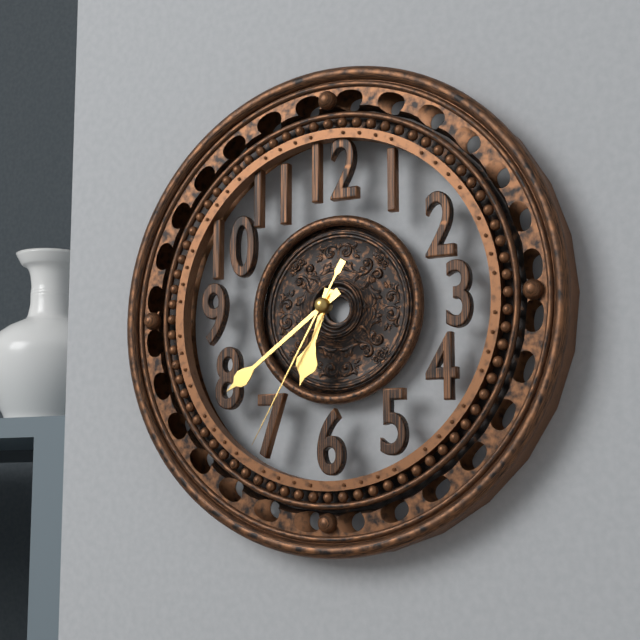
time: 6:39:35
